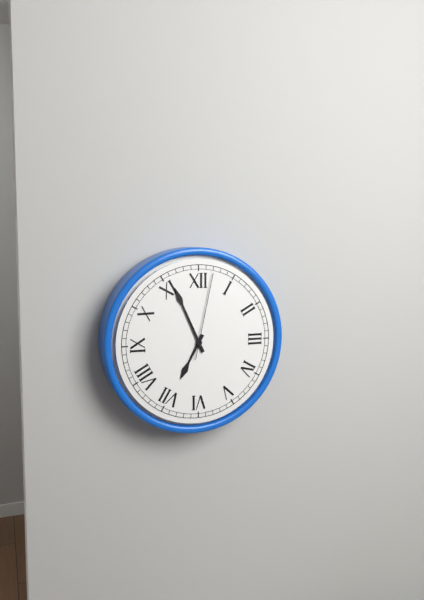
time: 6:56:02
